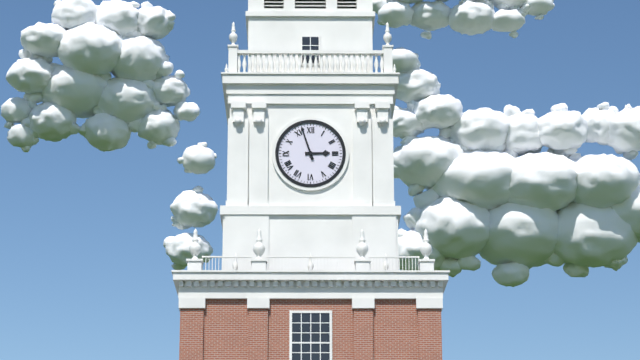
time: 2:57
